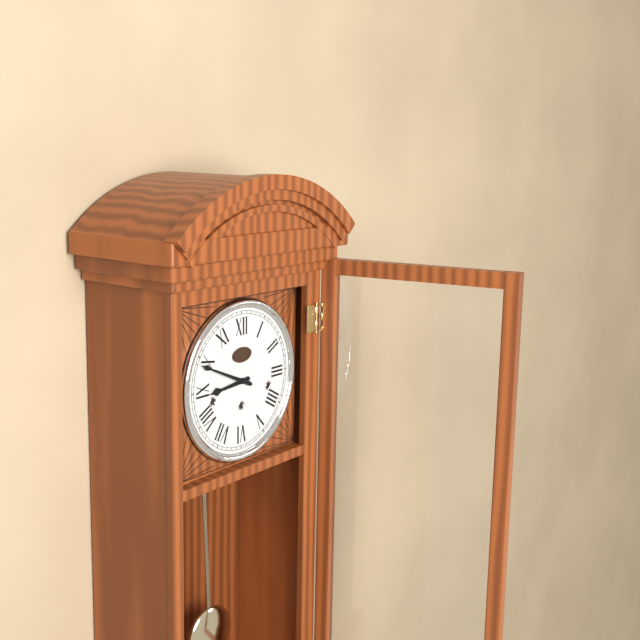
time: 8:49
